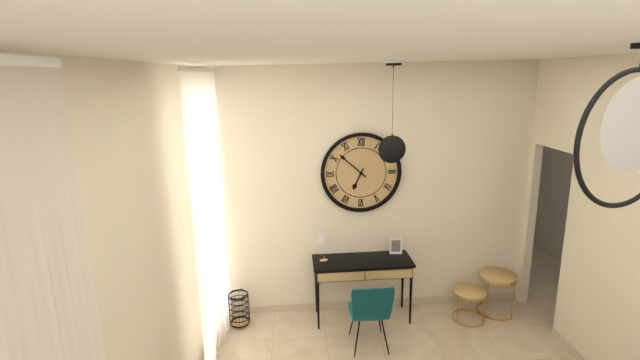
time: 6:52
